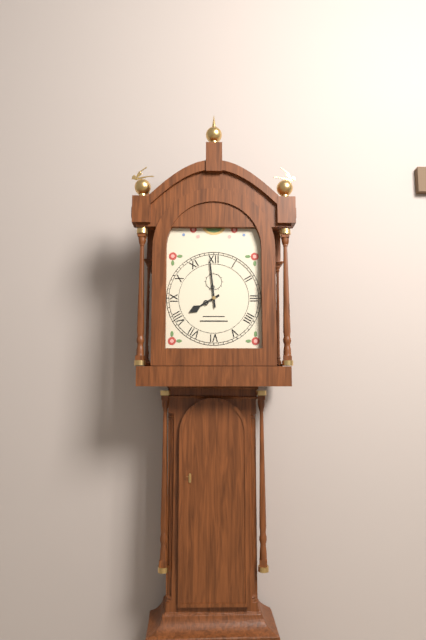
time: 7:59
